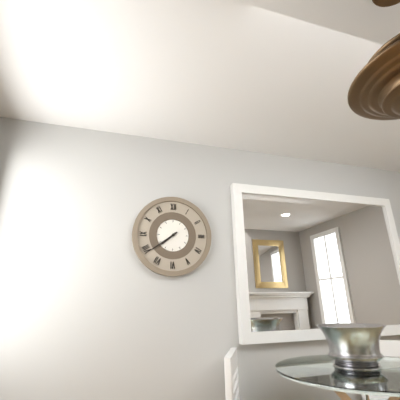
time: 7:39
